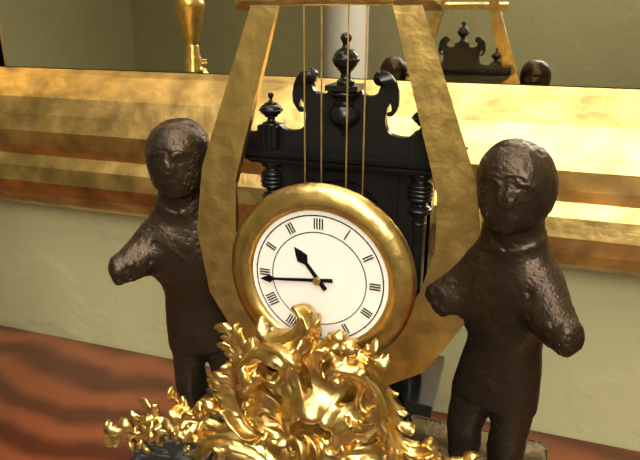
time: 10:44
